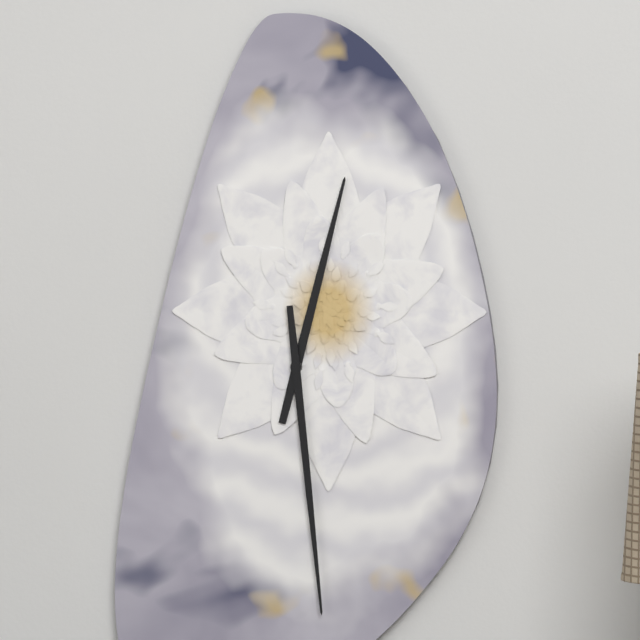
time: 12:29
